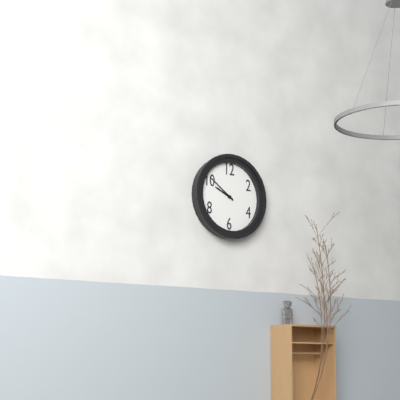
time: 9:51
